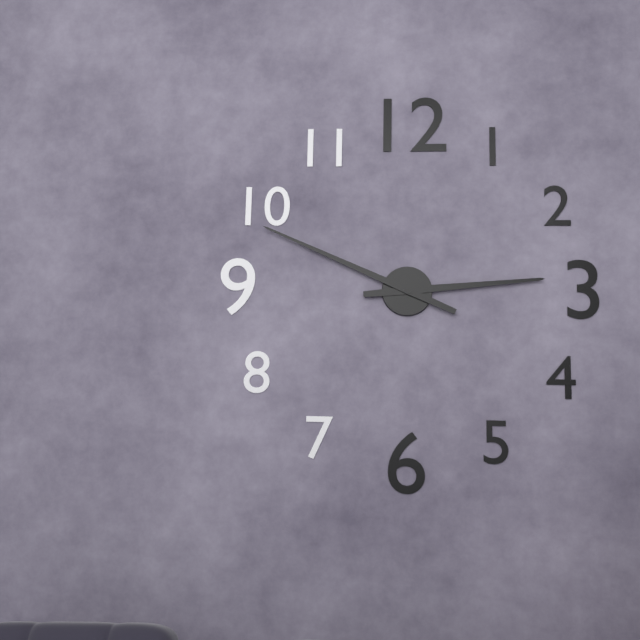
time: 2:49
